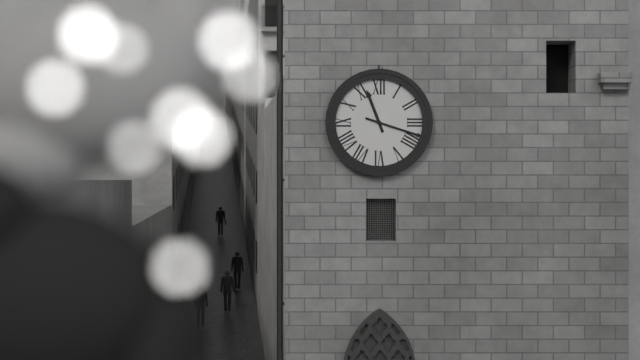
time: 11:18
